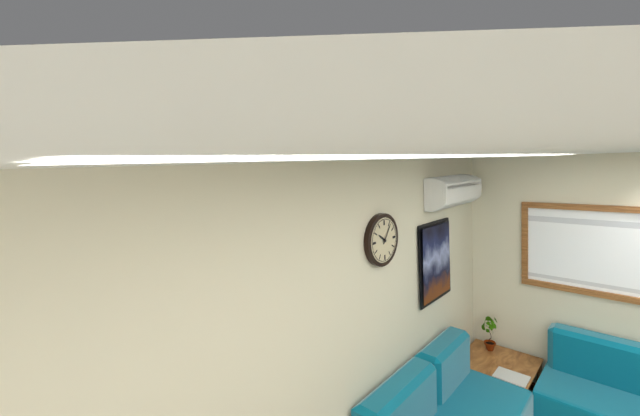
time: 10:06
